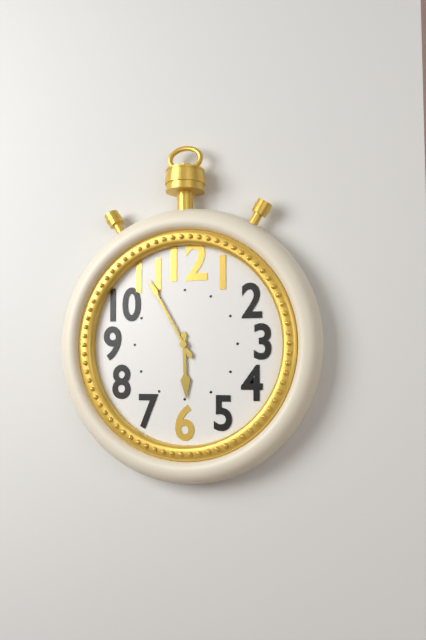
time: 5:55
